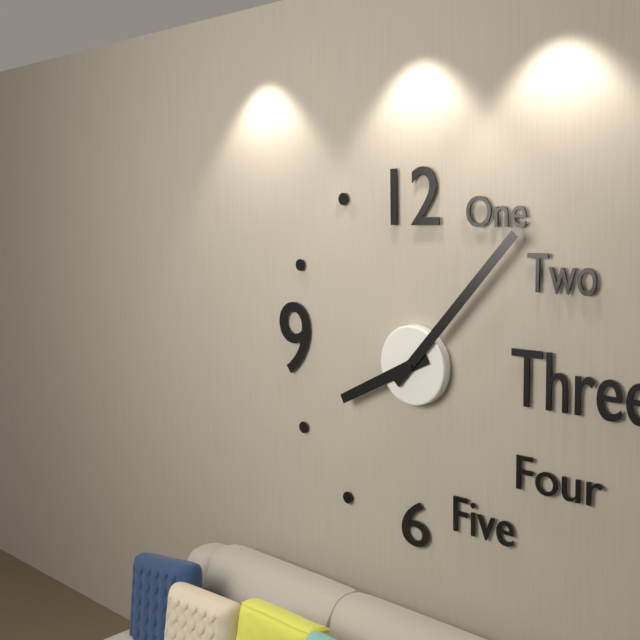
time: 8:07
